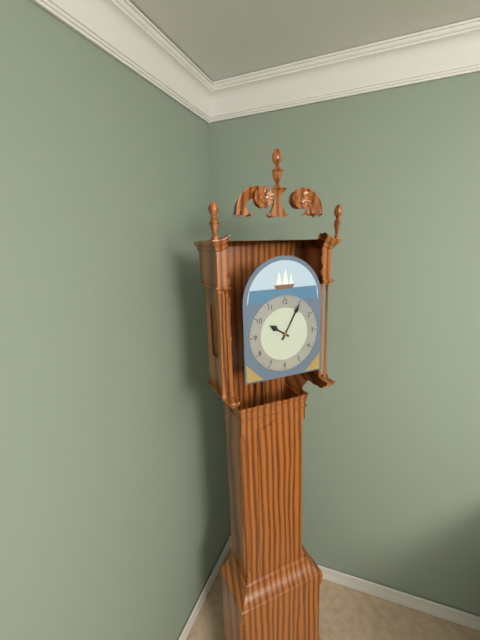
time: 10:05
